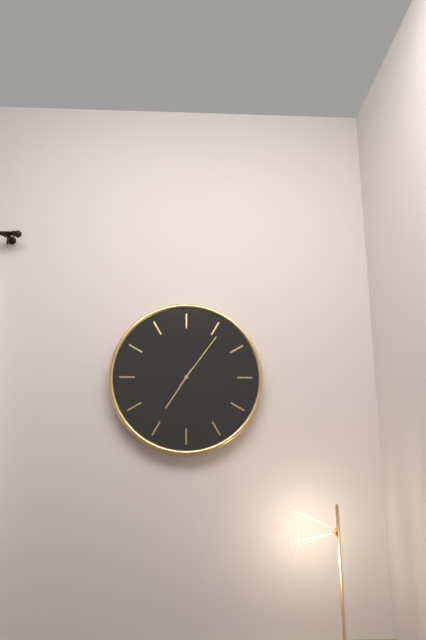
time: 7:06
